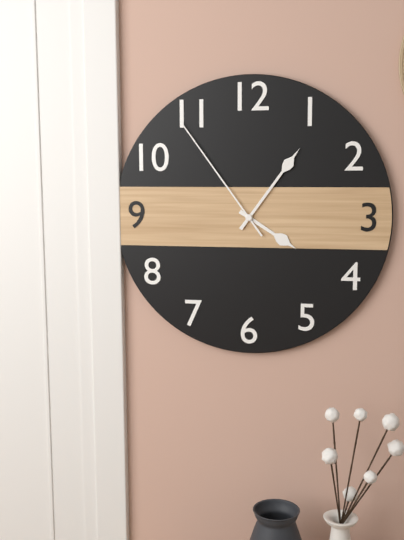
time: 4:06:54
